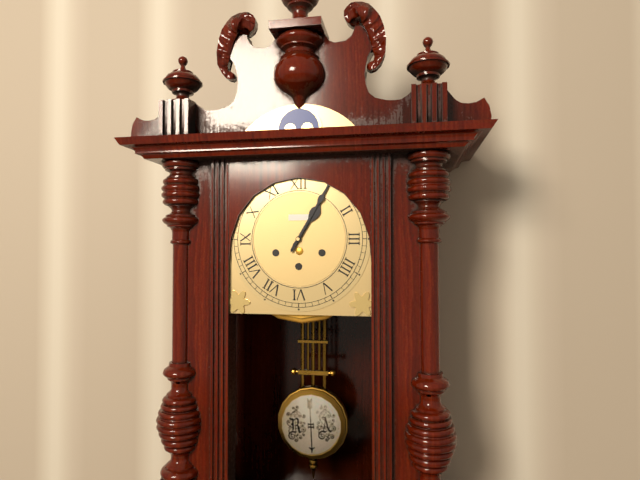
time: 1:05
